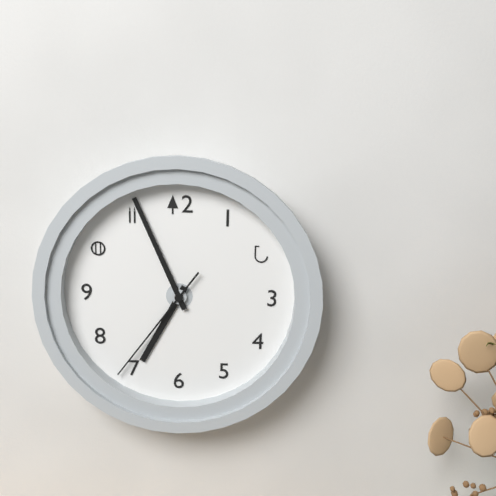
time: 6:56:36
